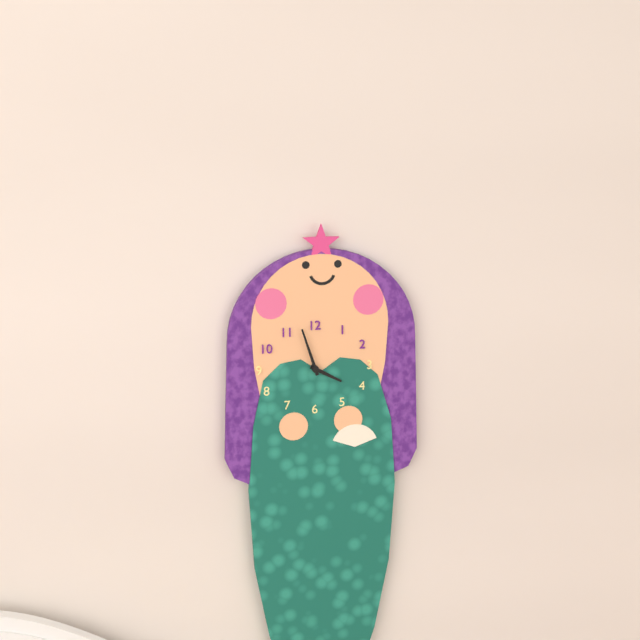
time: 3:57
